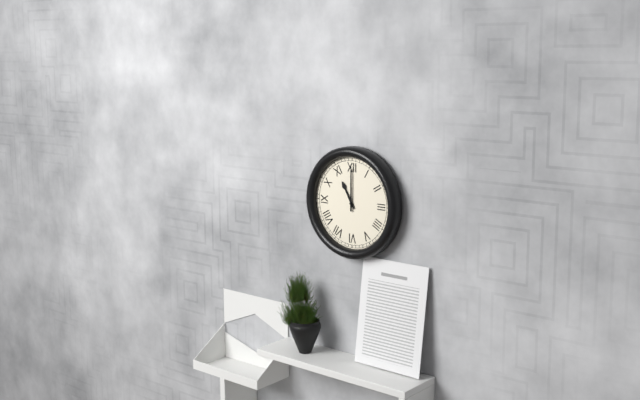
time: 11:00
